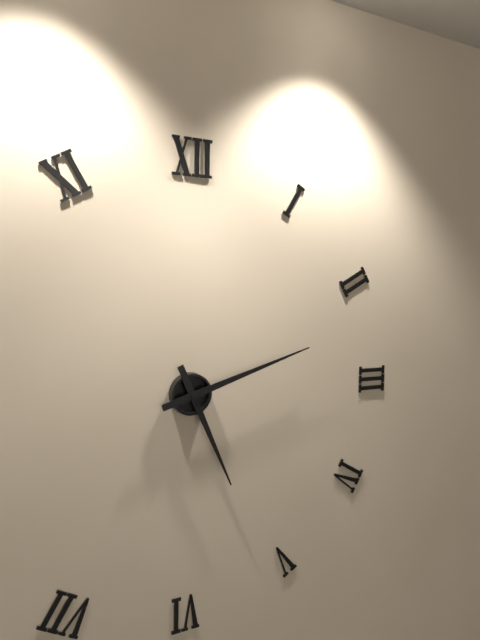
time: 5:12
